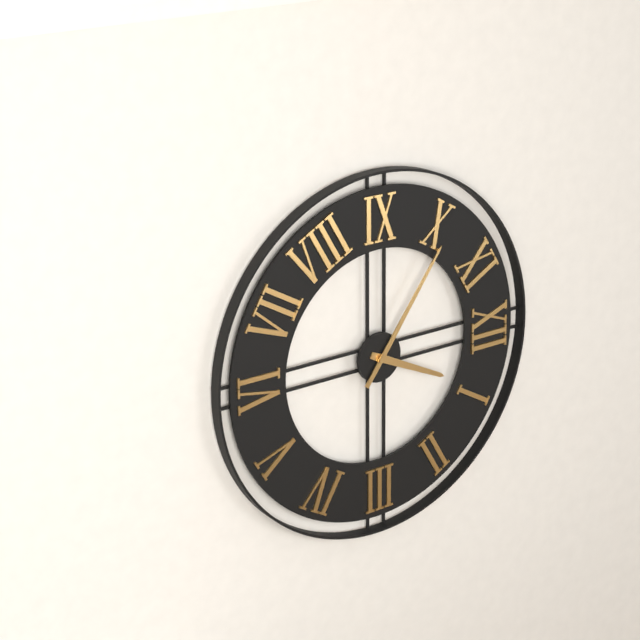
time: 12:51
